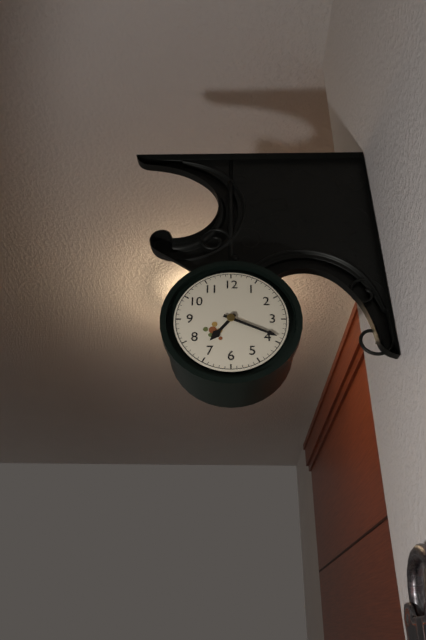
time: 7:19
